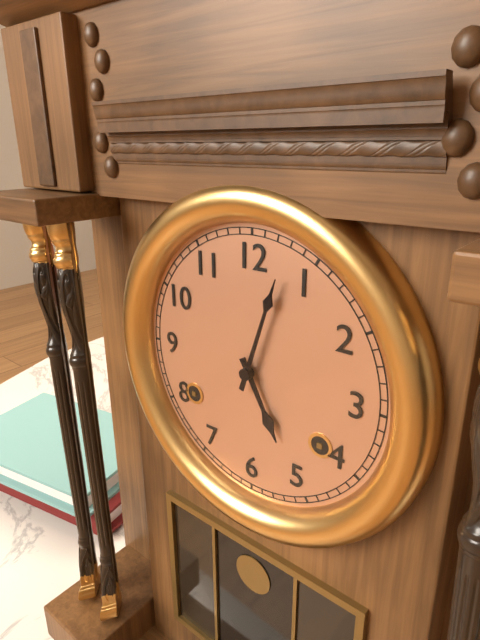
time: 5:03
